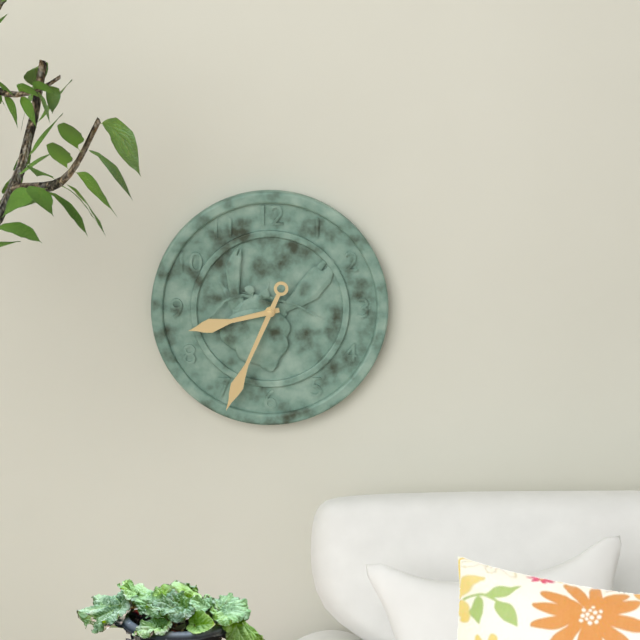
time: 8:34
